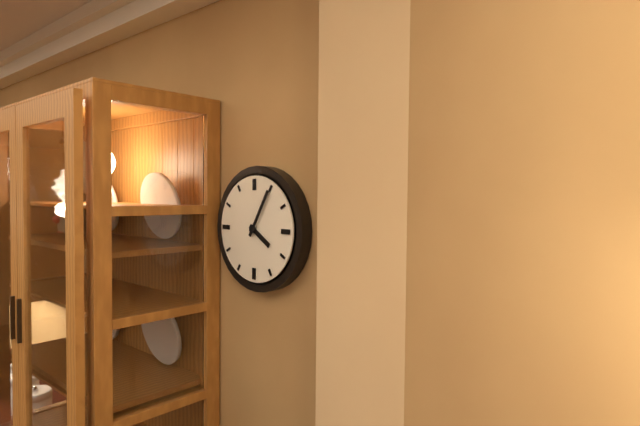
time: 4:05
